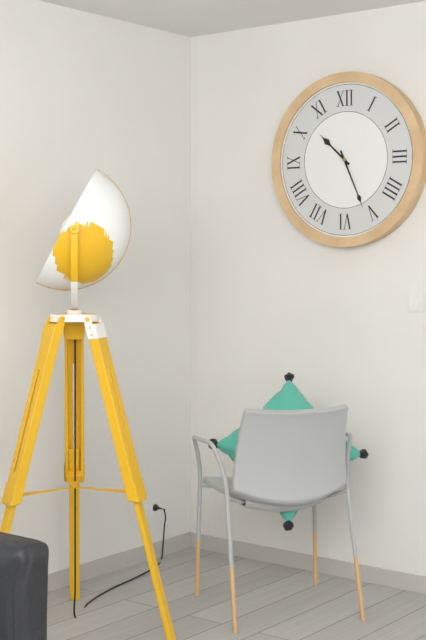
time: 10:26
